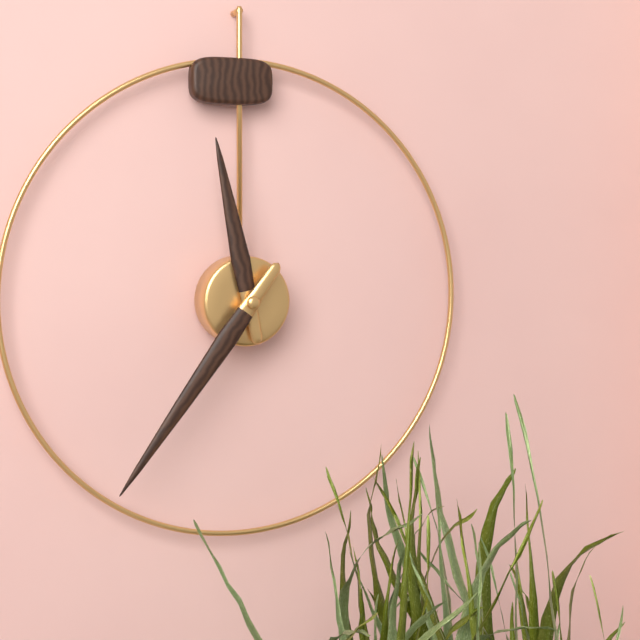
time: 11:36
